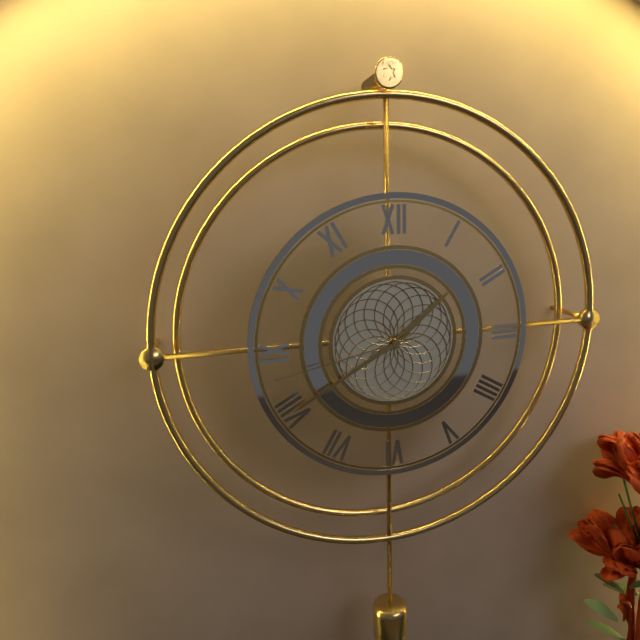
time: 1:40:43
